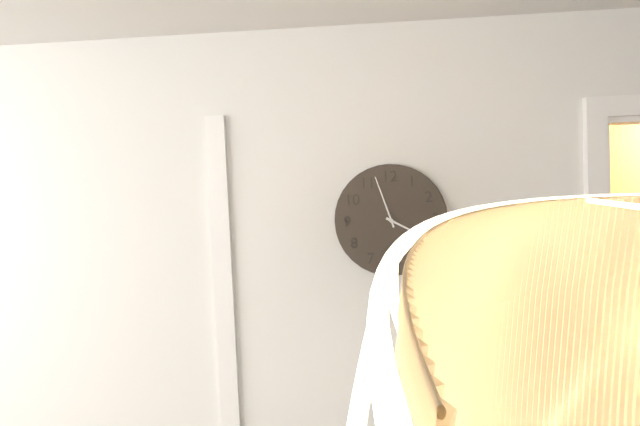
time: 3:57
